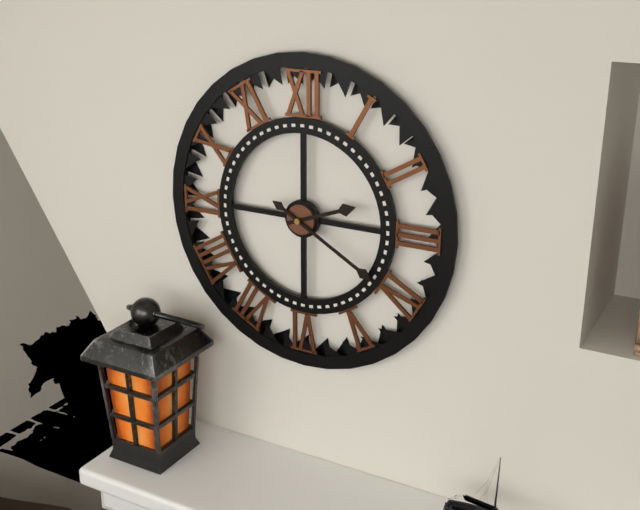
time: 2:20
